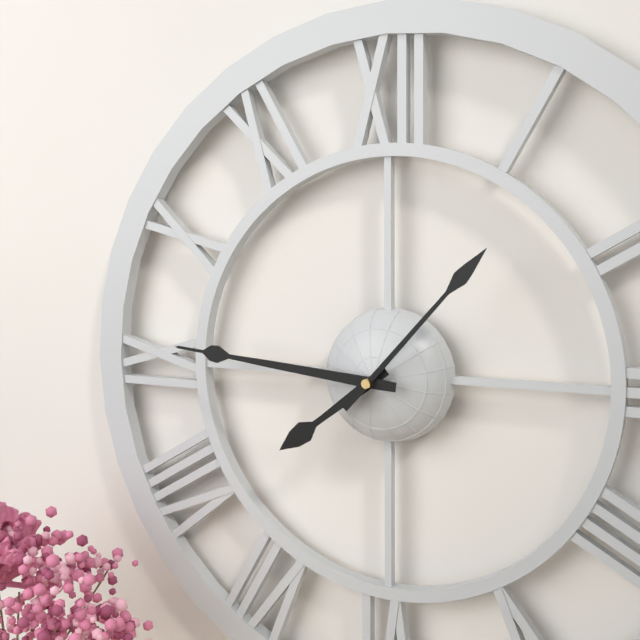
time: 7:46:07
